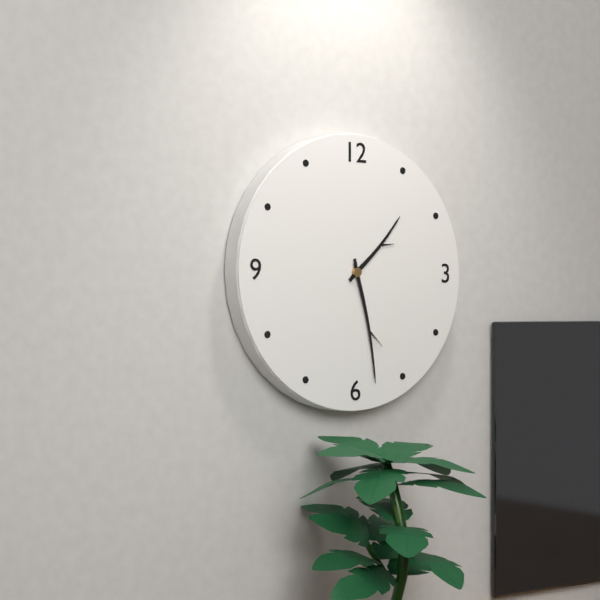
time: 1:28
